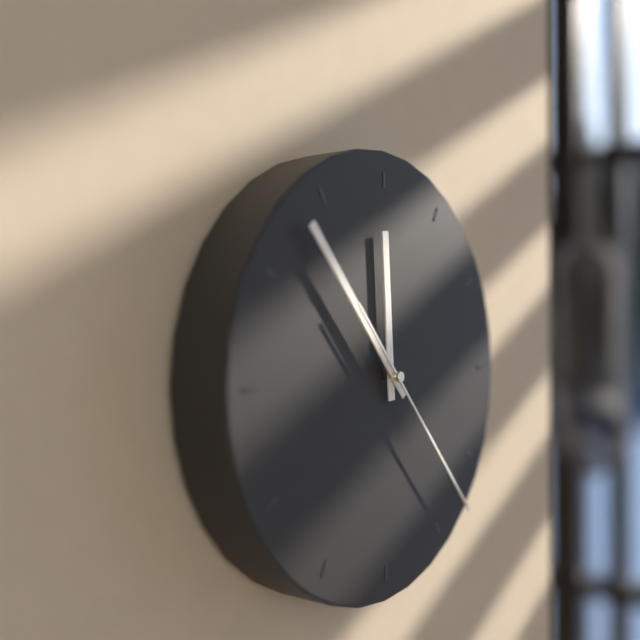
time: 11:53:23
